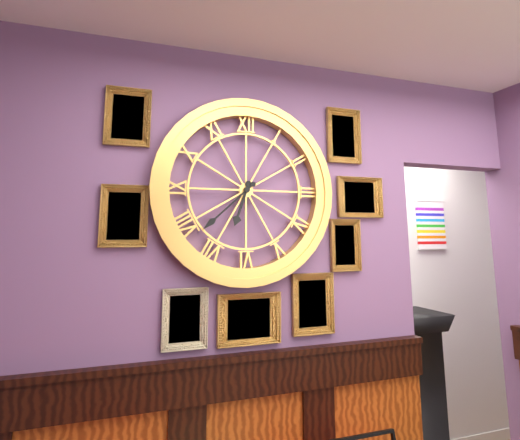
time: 6:38
